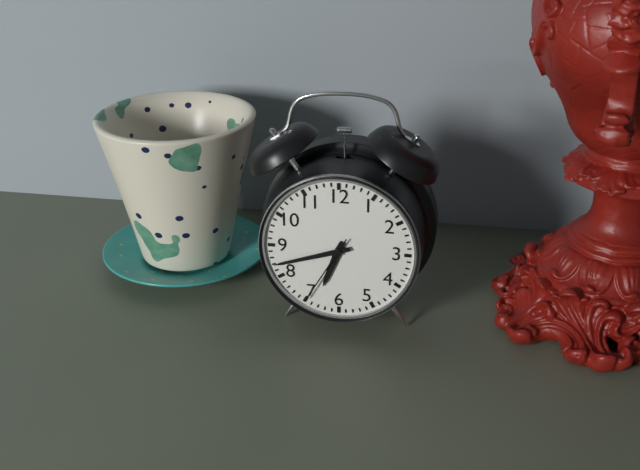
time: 6:42:35
